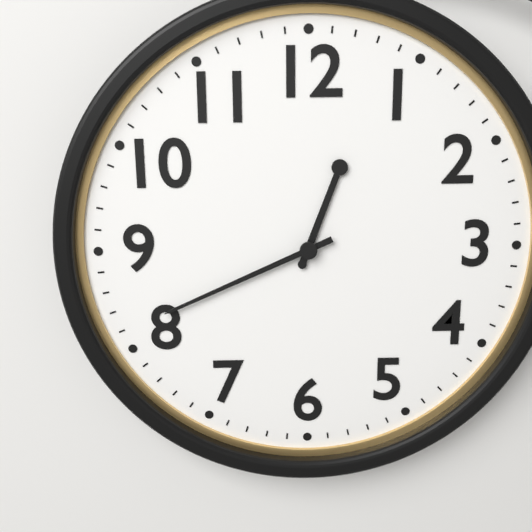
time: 12:41
